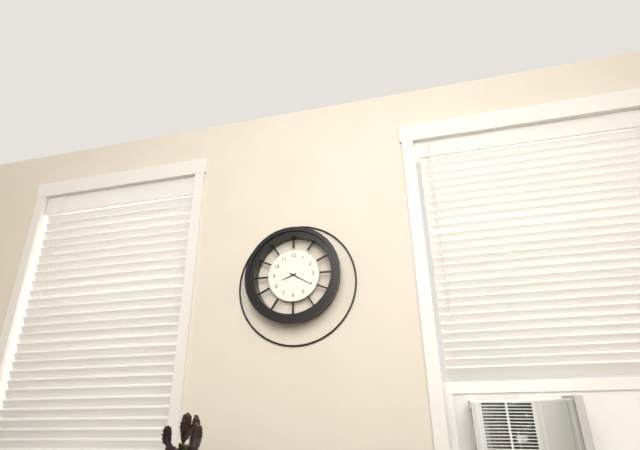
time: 8:20
